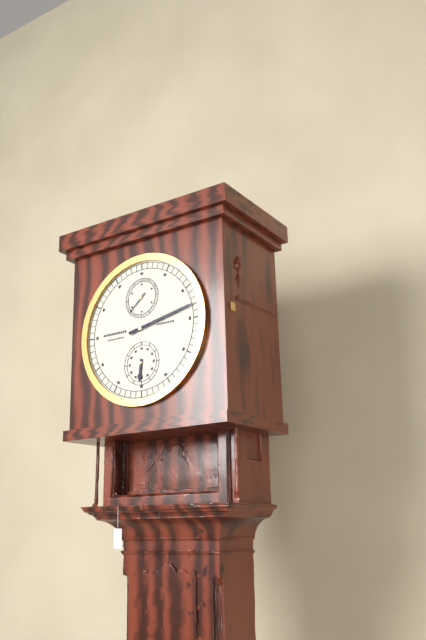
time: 6:13
